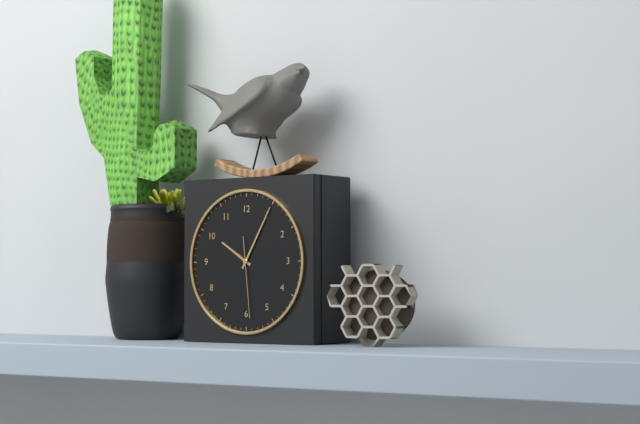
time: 10:05:29
